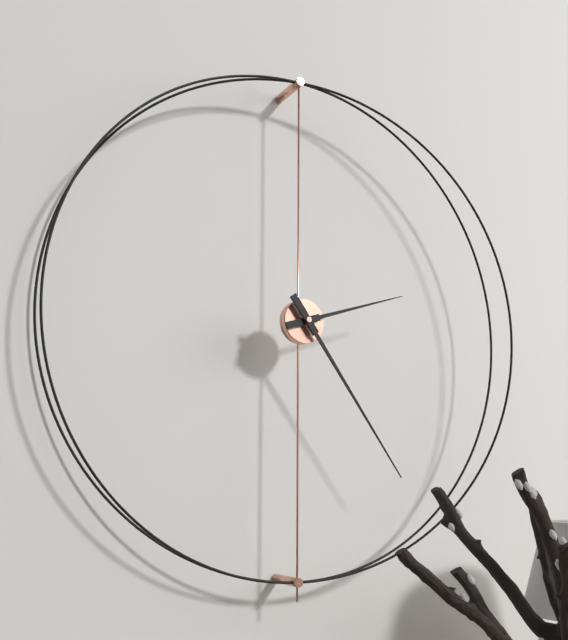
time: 2:24
